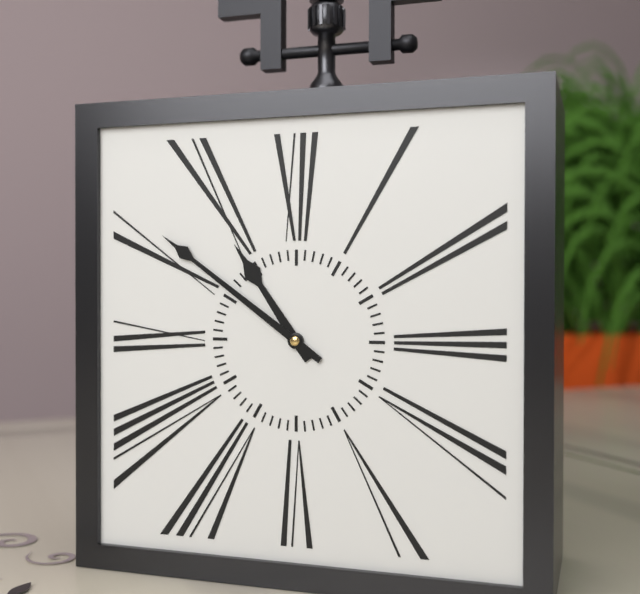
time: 10:51
